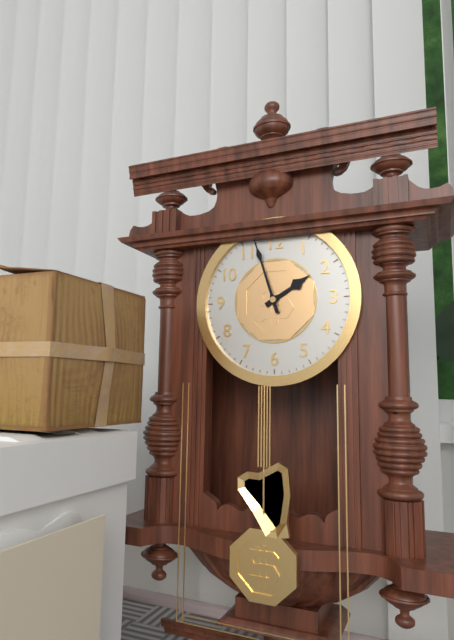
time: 1:57
